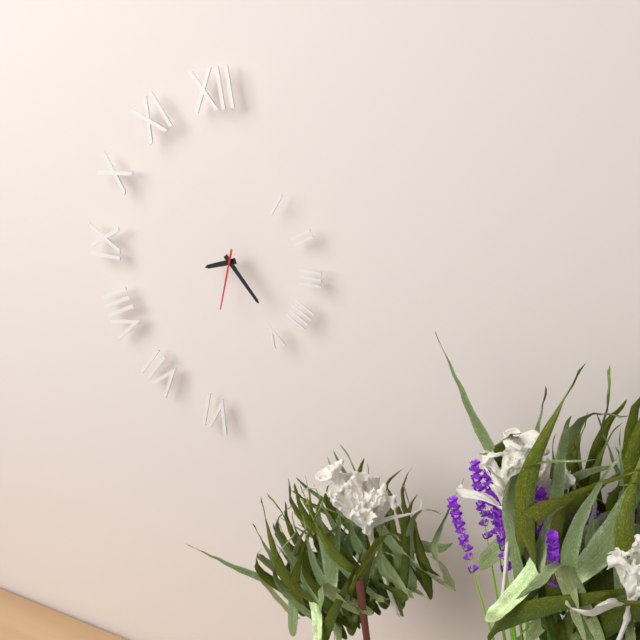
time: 8:23:32
